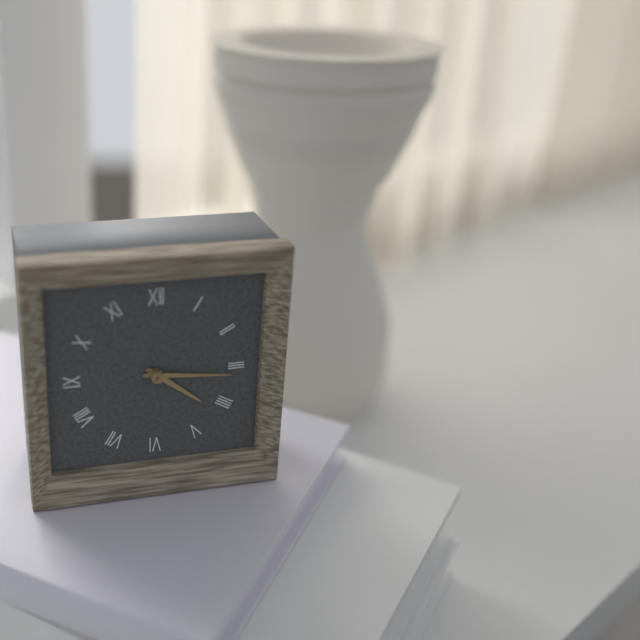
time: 4:16
